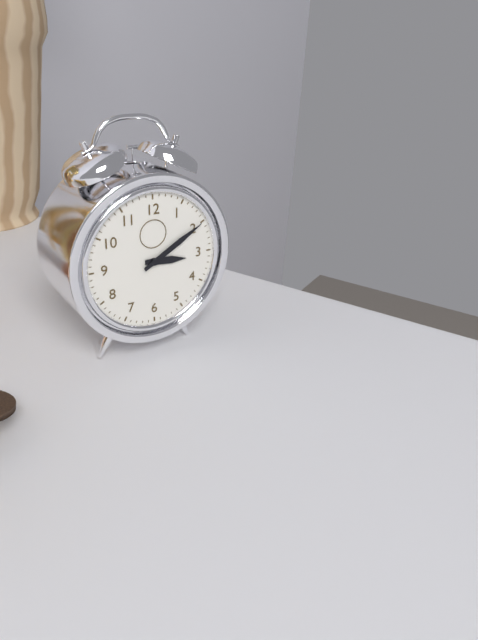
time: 3:10
